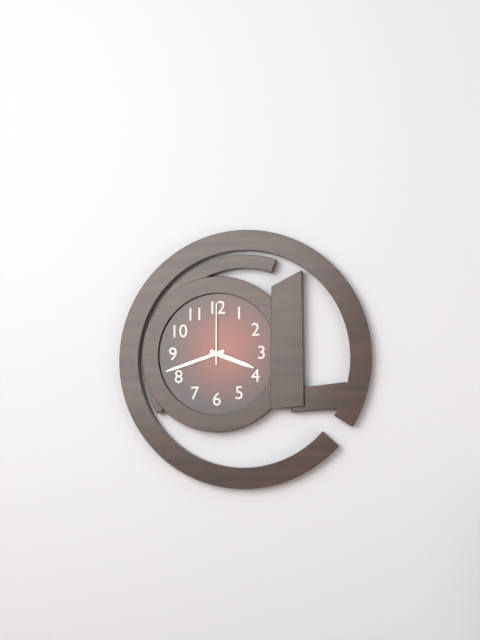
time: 3:42:00
